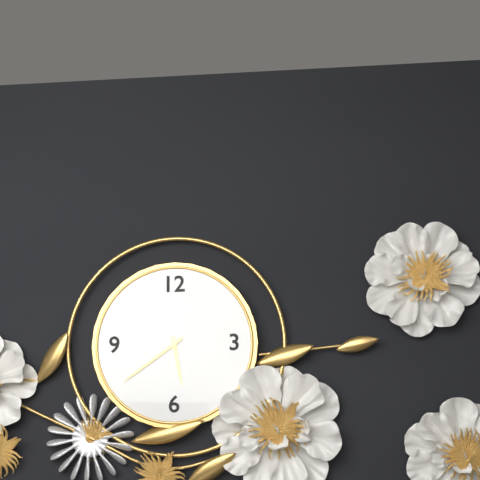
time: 5:39
